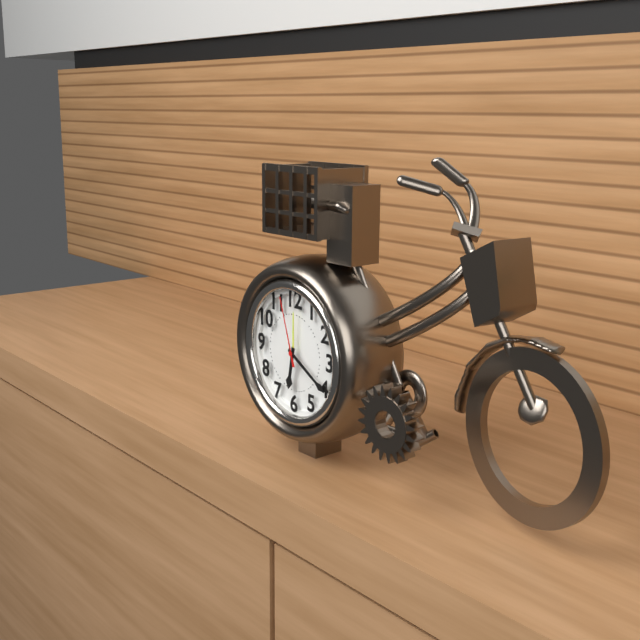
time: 6:20:57
